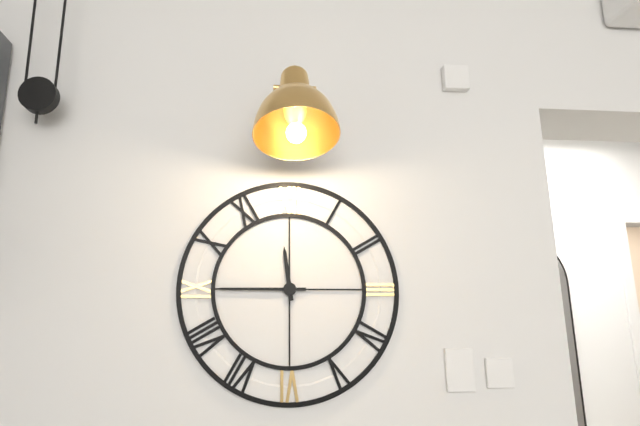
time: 11:45
